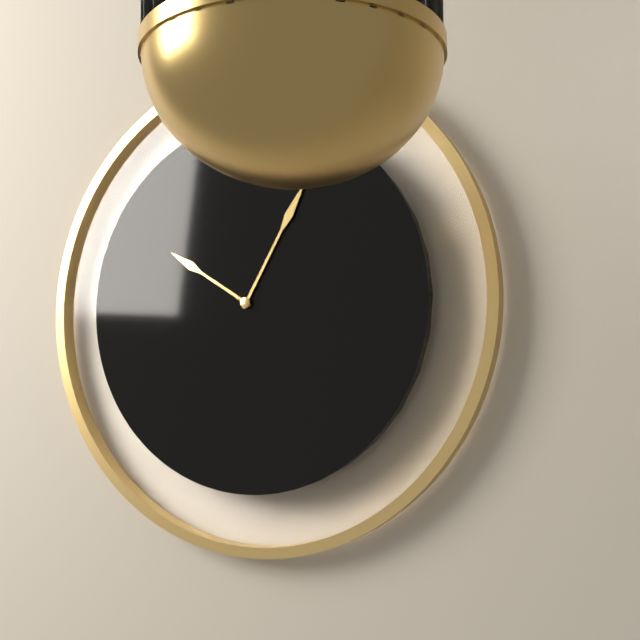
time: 10:05
